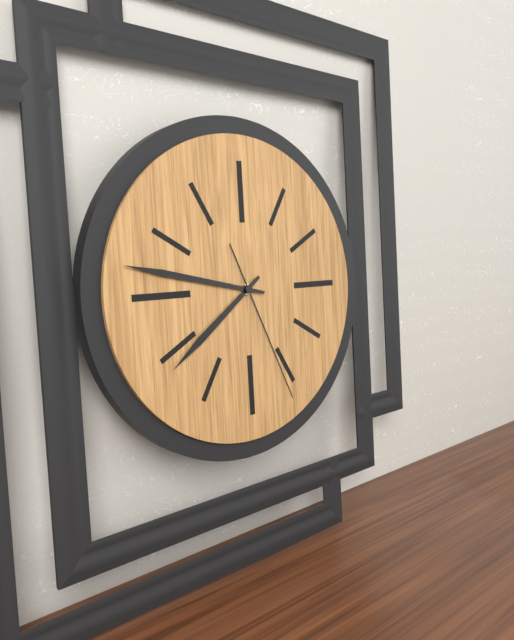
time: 7:47:26
